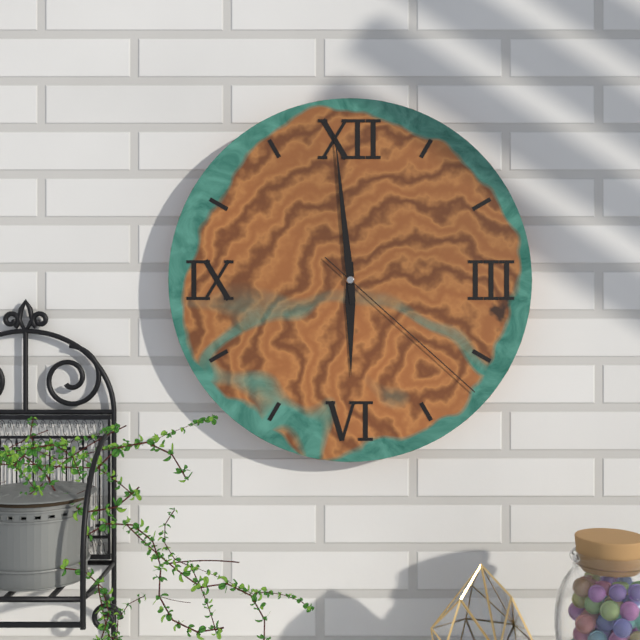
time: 5:59:22
